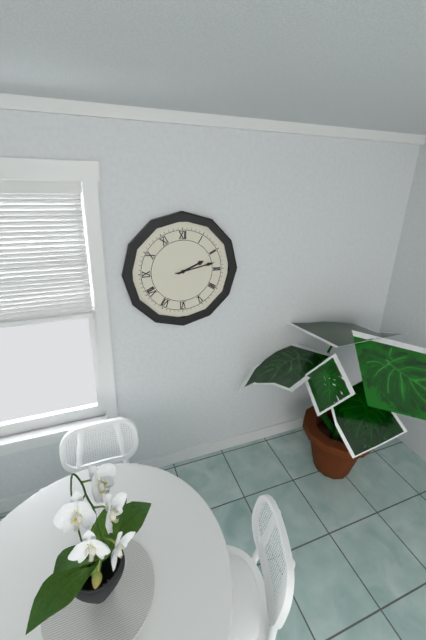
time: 2:13
